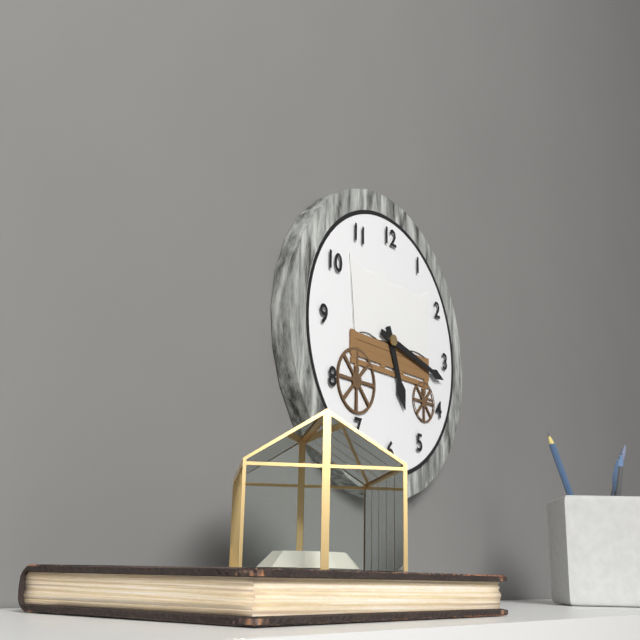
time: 5:17
